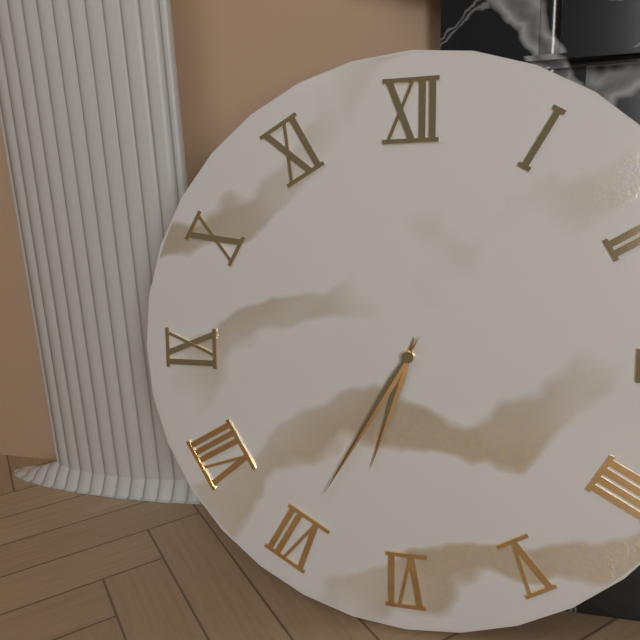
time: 6:35
